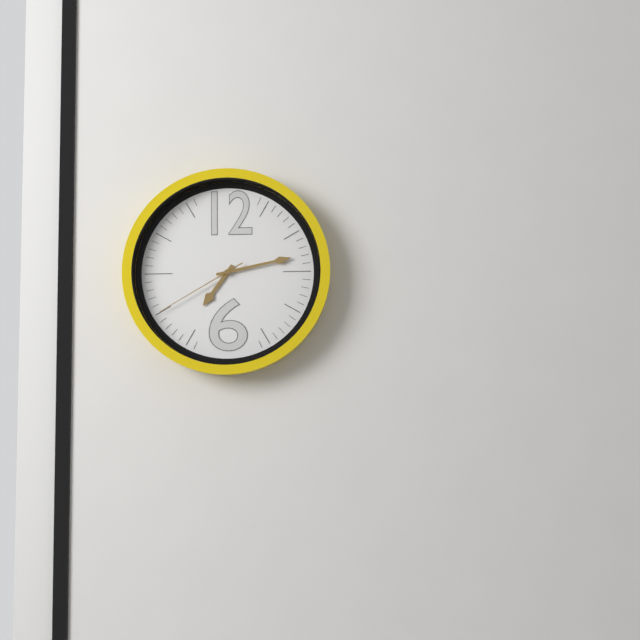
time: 7:13:40
